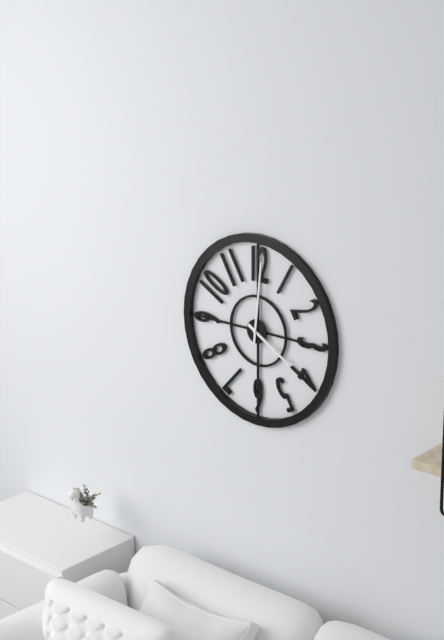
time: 4:01
